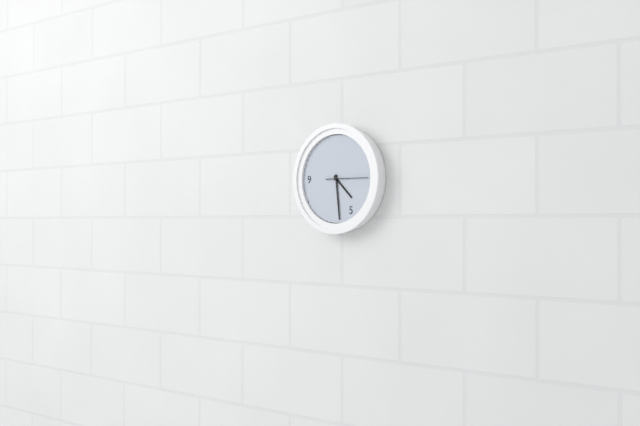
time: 4:29
